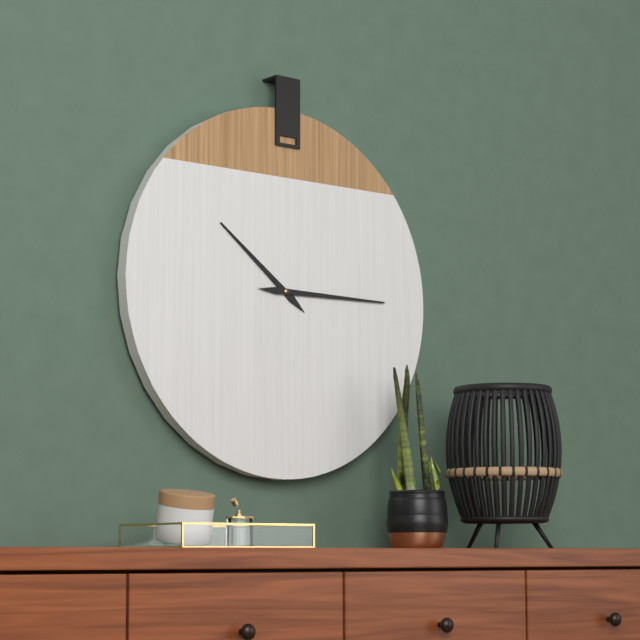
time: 10:15
